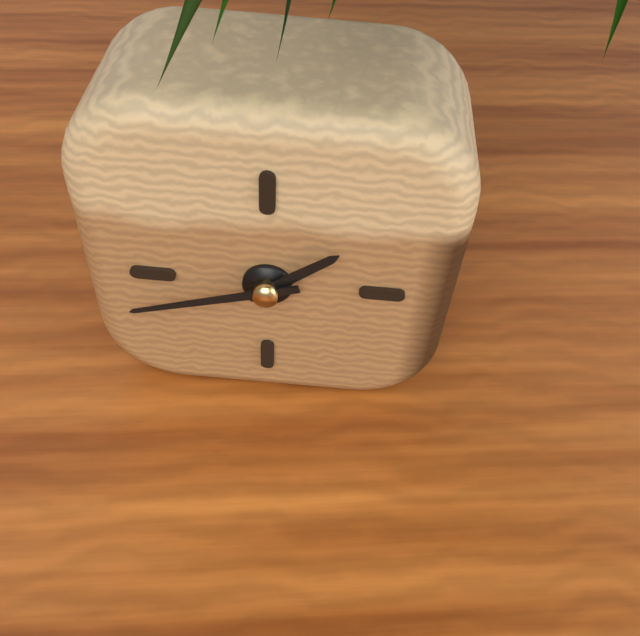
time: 1:42
